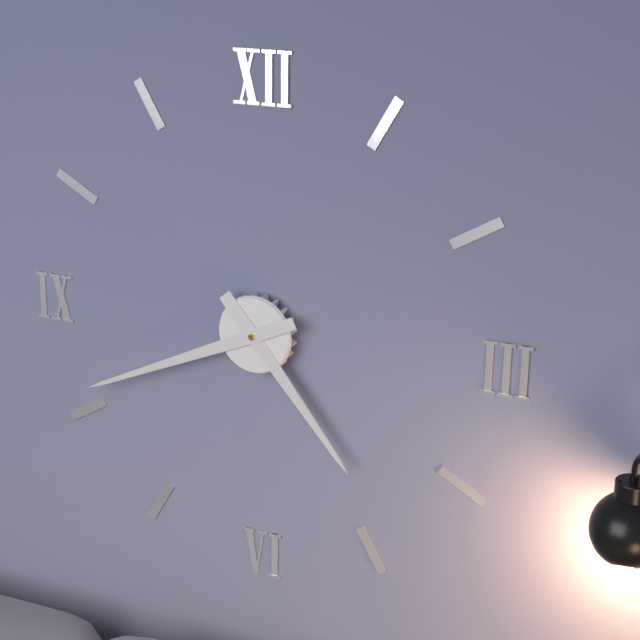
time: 4:41
